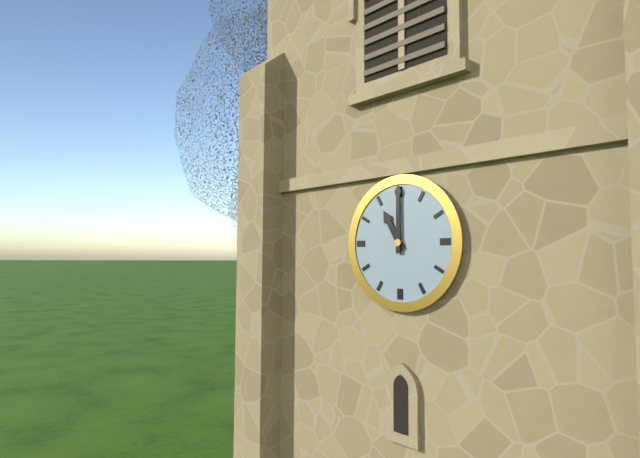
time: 11:00
